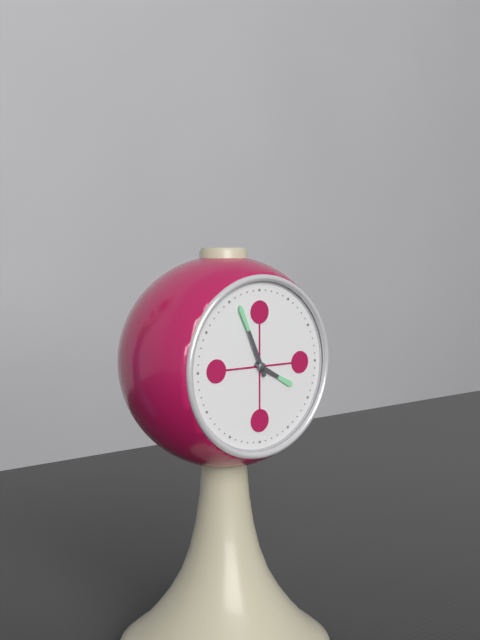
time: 3:56
